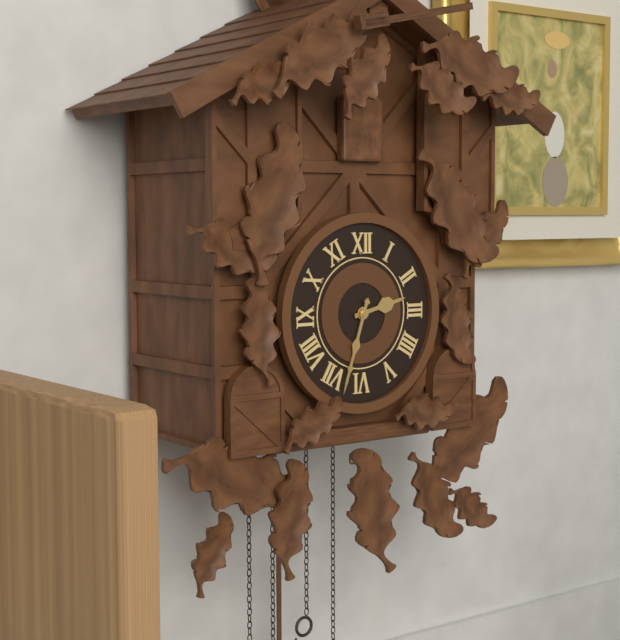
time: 2:33
